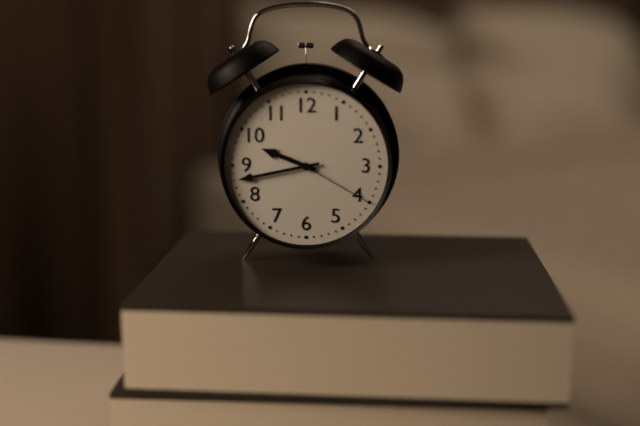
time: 9:43:20
